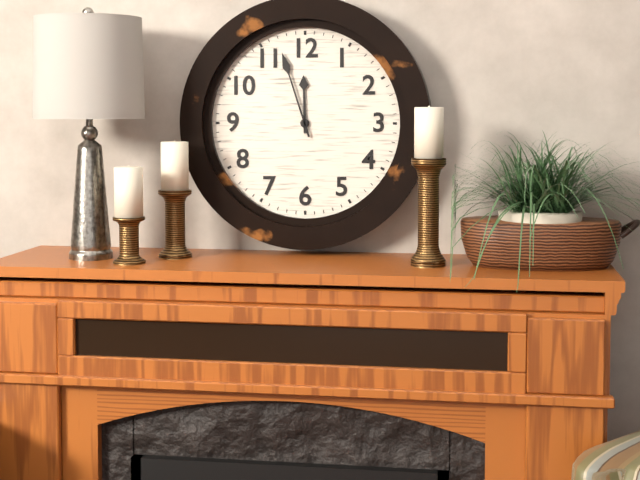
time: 11:57
